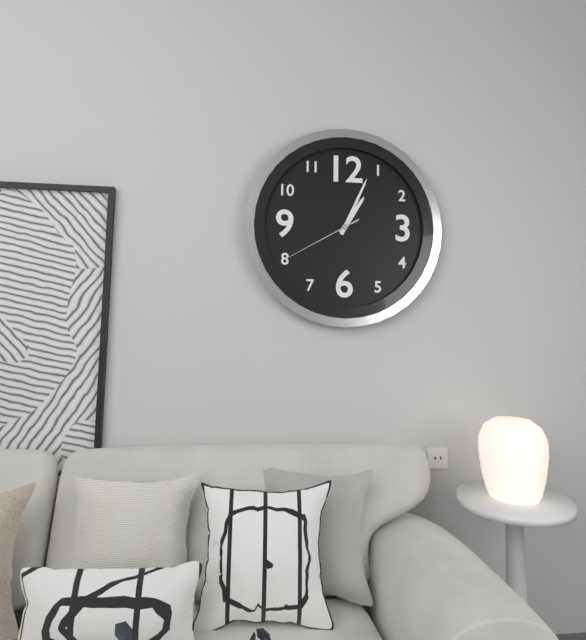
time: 1:04:40
